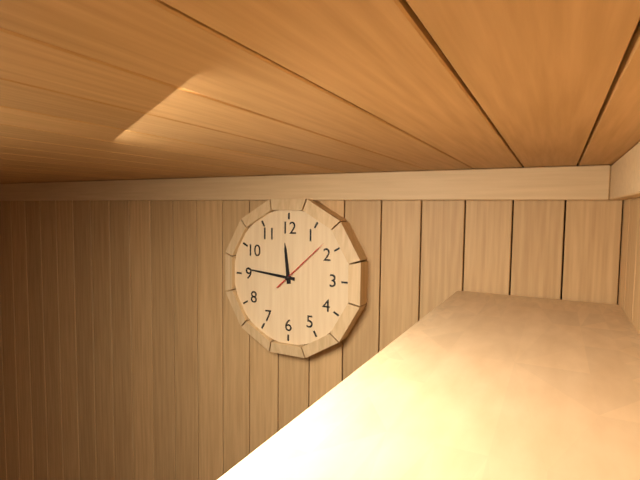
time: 11:46:08
